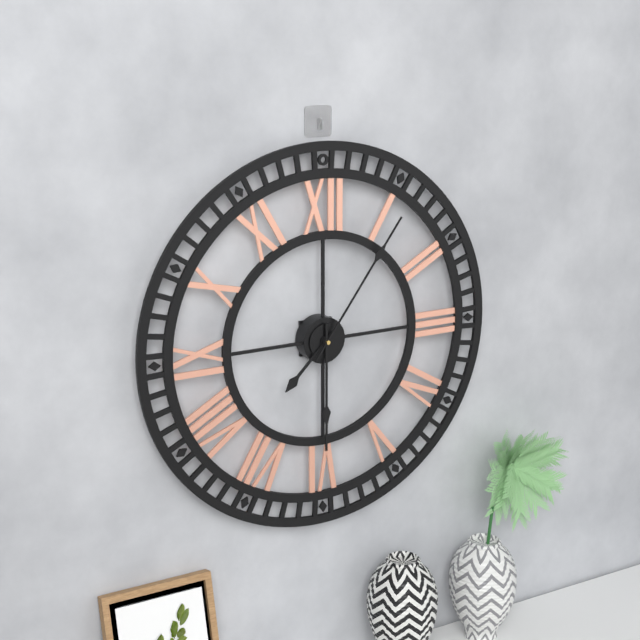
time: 7:30:06
